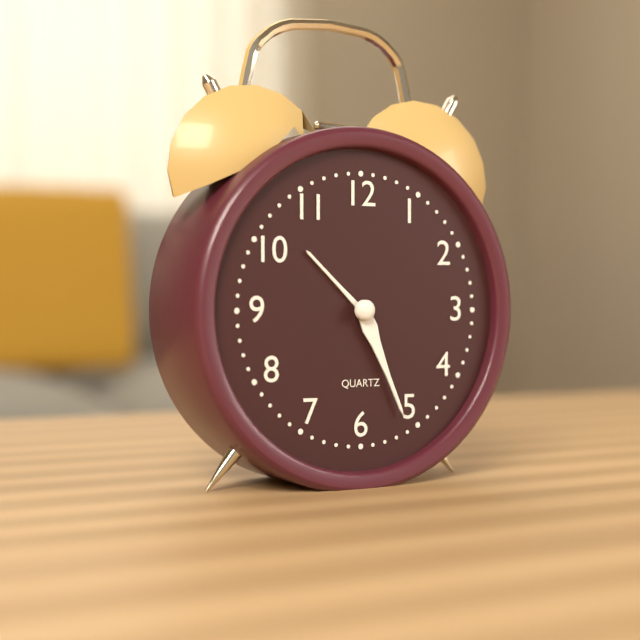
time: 10:26
